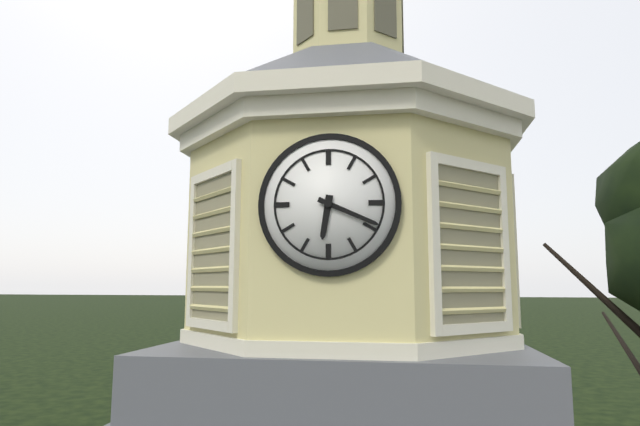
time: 6:19
